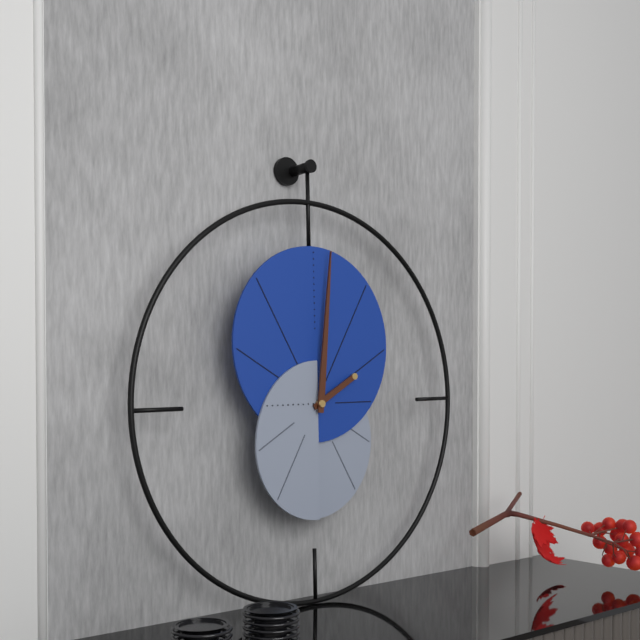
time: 2:01
